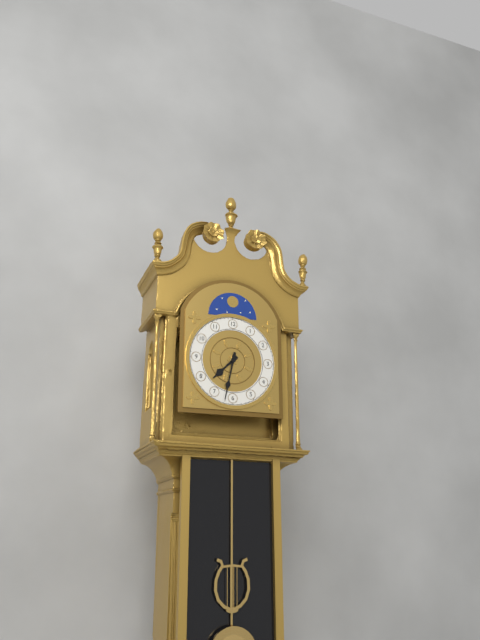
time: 7:32
